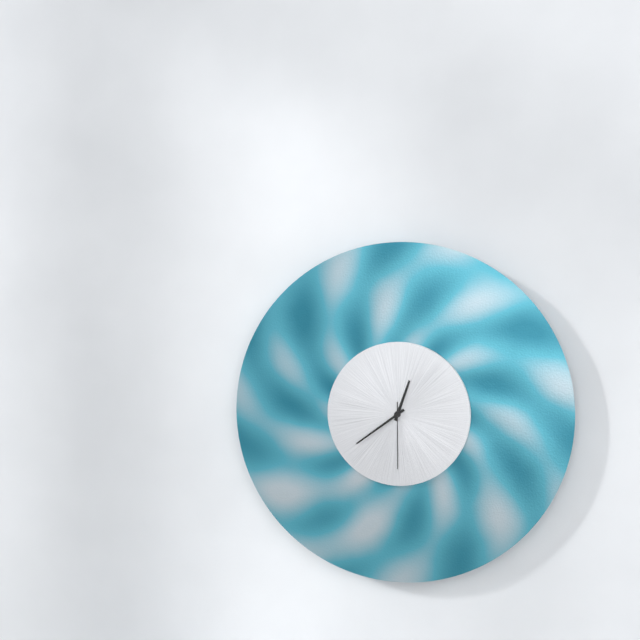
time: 12:39:30
